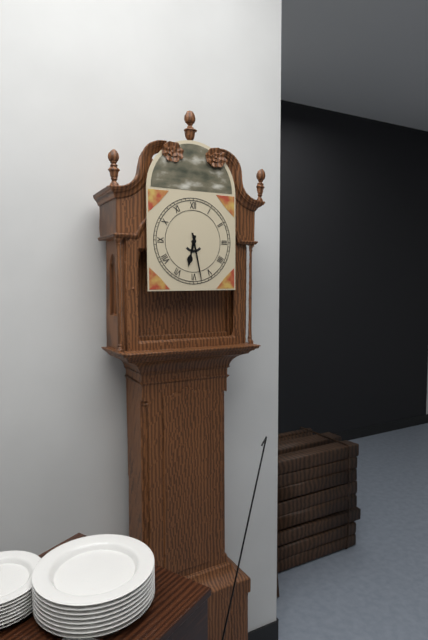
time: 6:28
